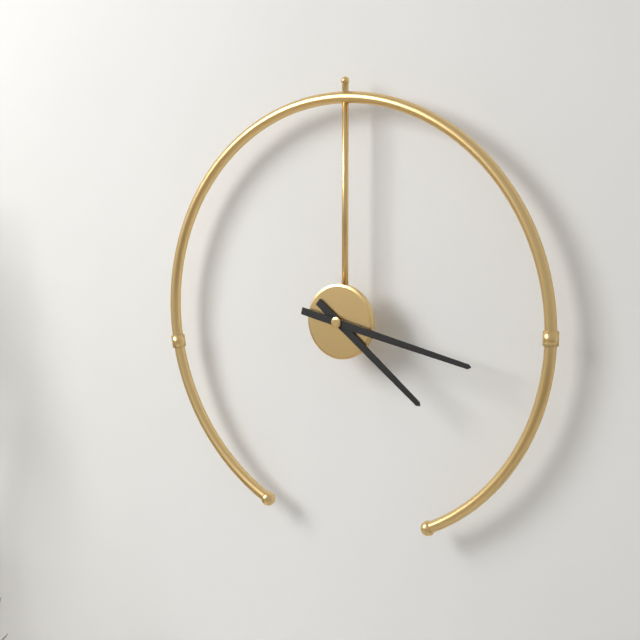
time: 4:17
